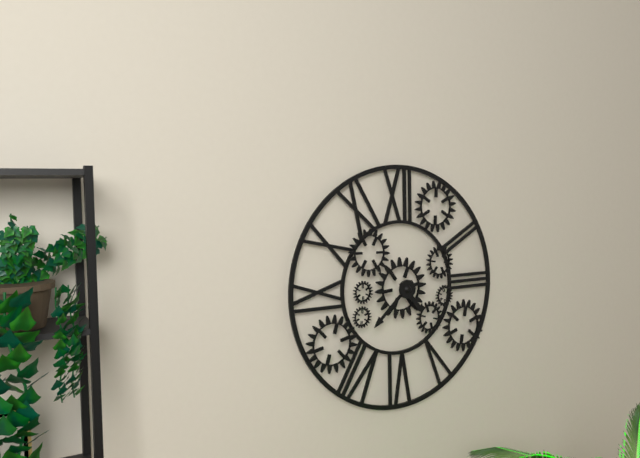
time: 4:38
